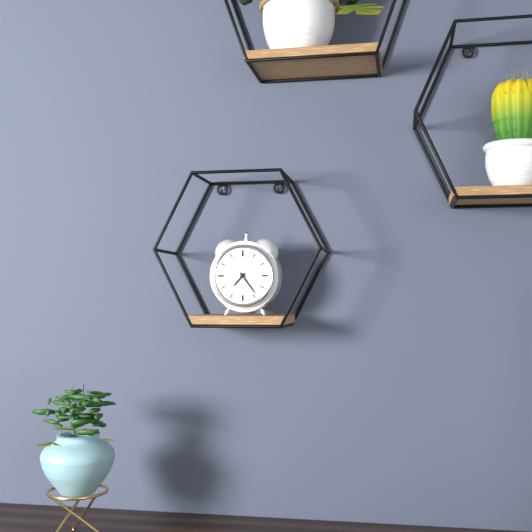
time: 7:24
